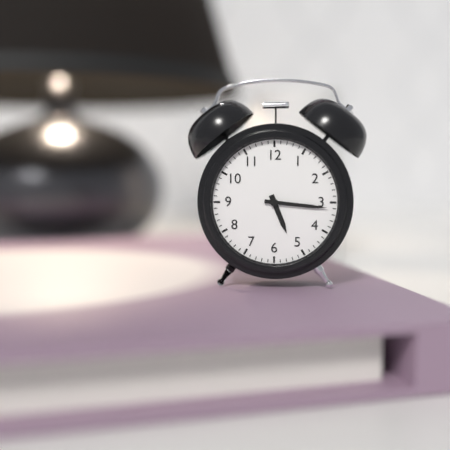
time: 5:16
